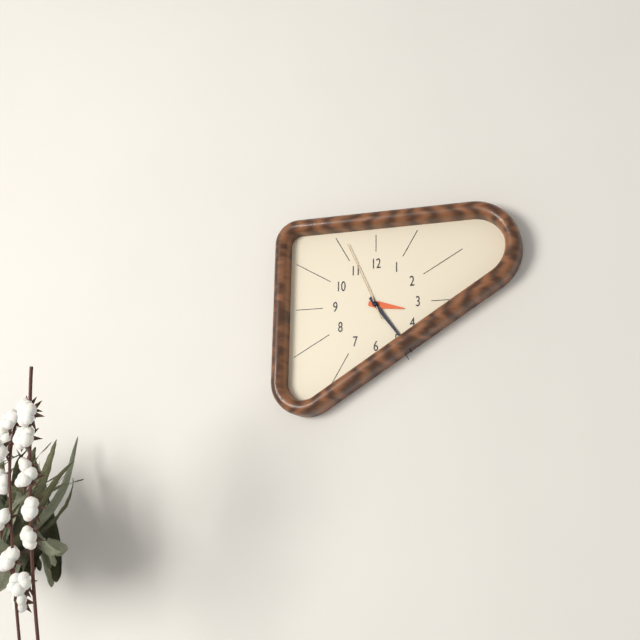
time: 3:24:56
